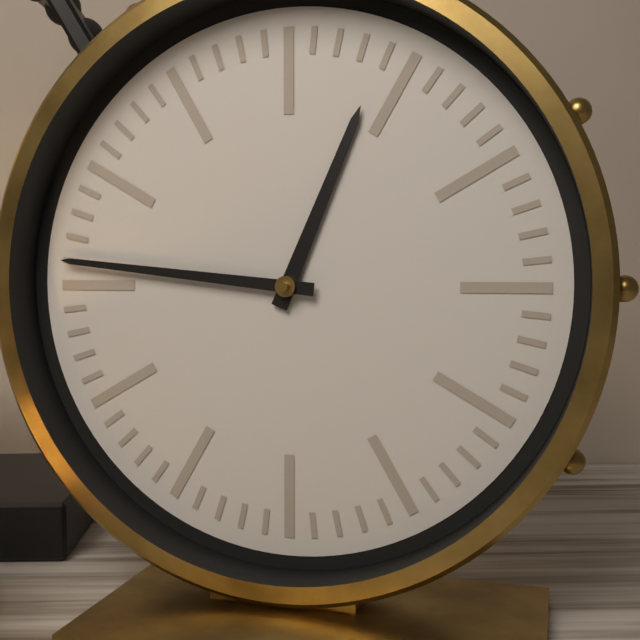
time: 12:46
